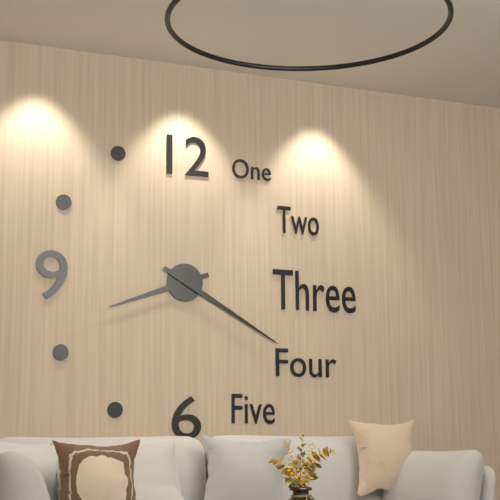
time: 8:20
